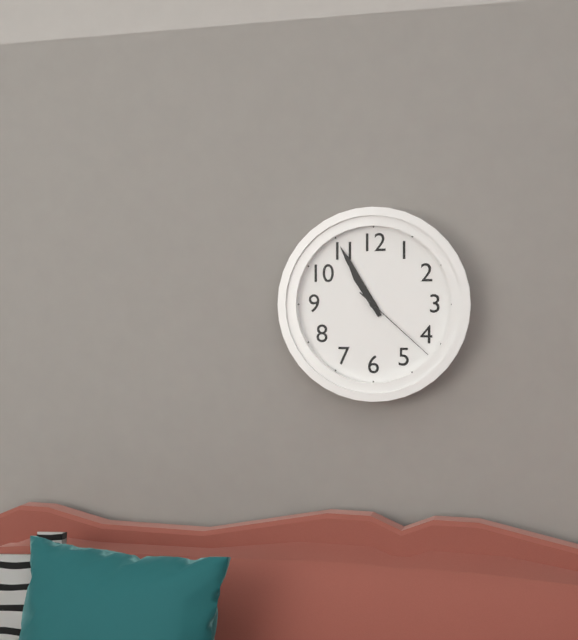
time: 10:55:22
